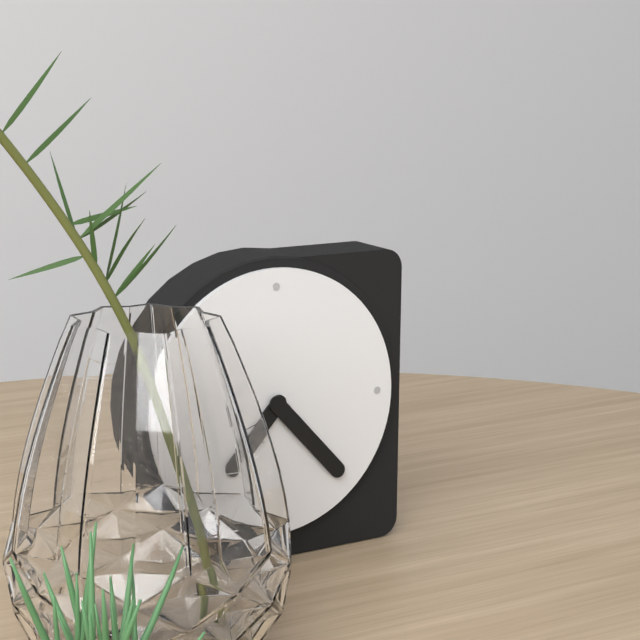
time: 7:23
